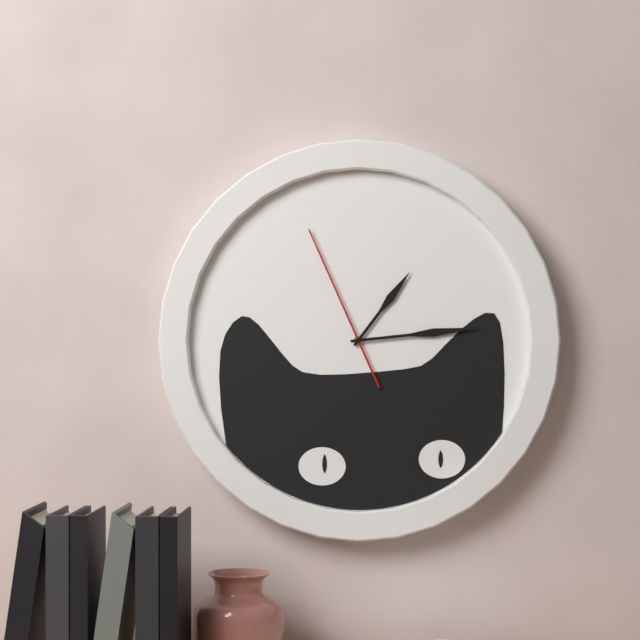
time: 1:14:56
